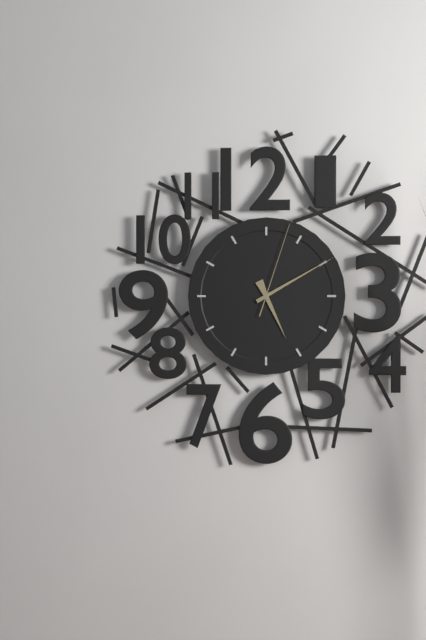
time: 5:10:03
